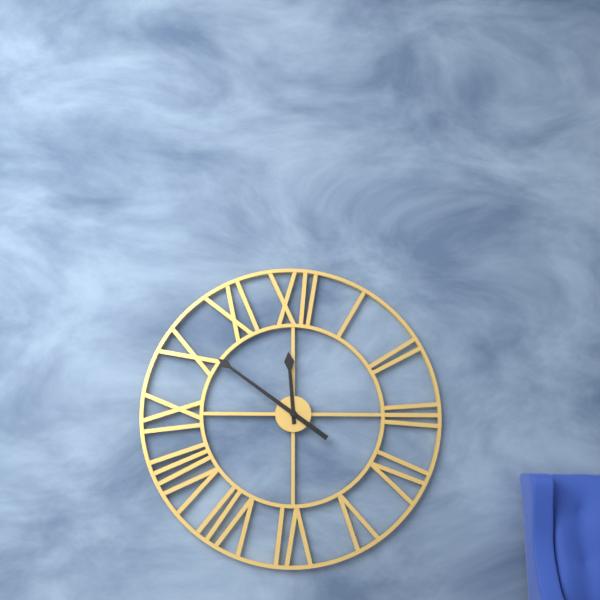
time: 11:51
